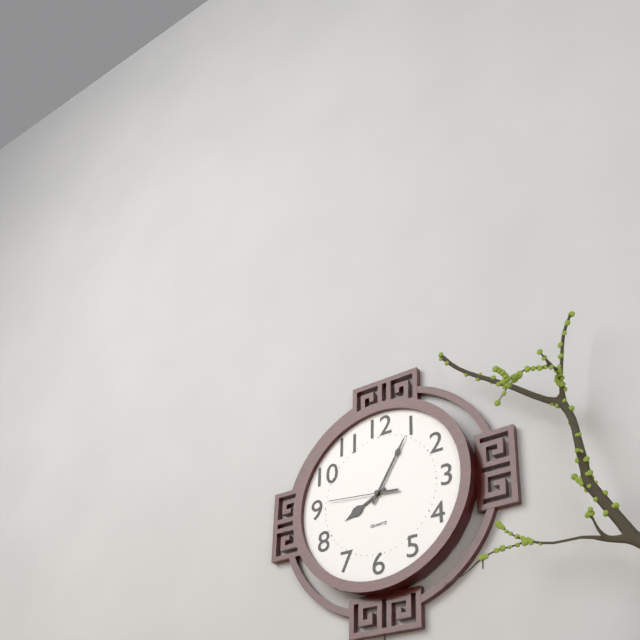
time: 8:05:46
